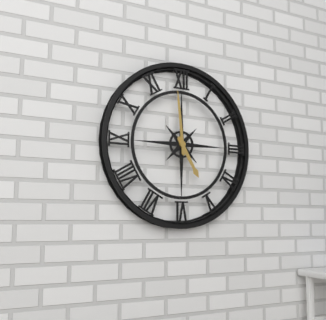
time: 4:59
